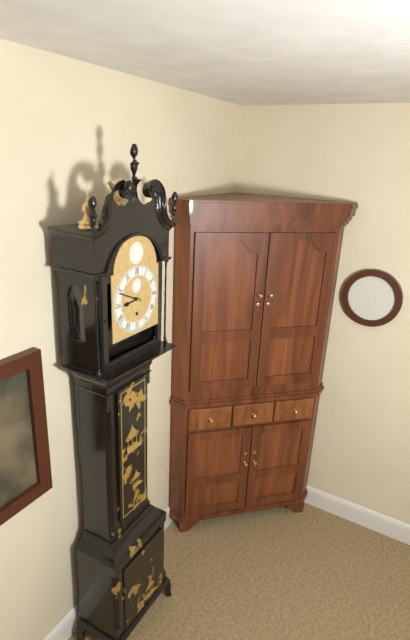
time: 8:49
